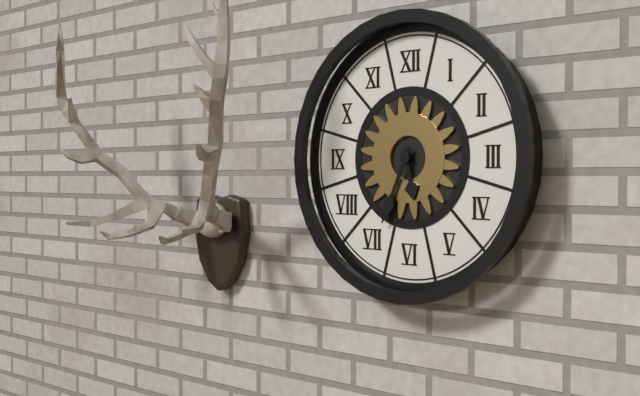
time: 5:34
